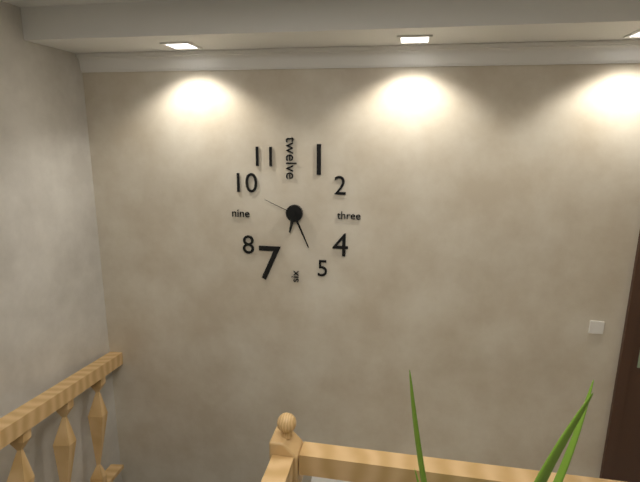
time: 6:26
